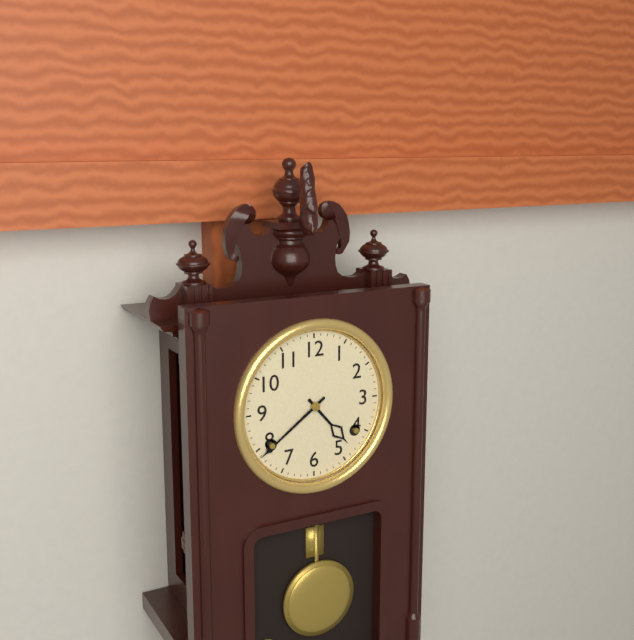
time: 4:39
